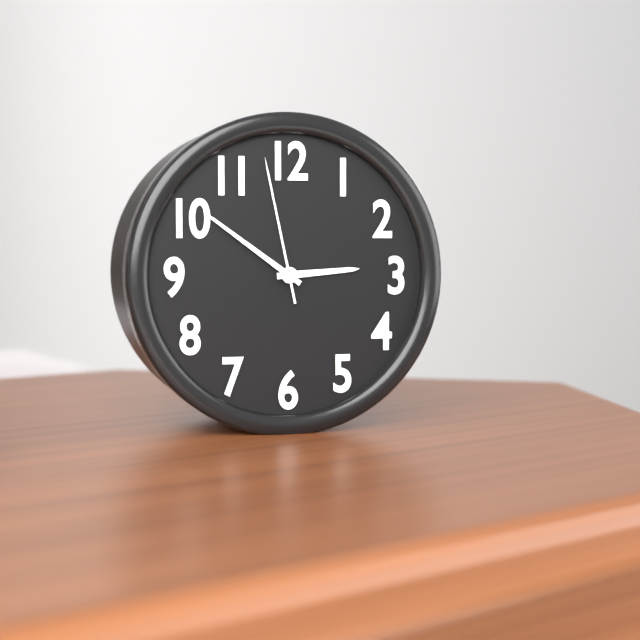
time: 2:51:58
